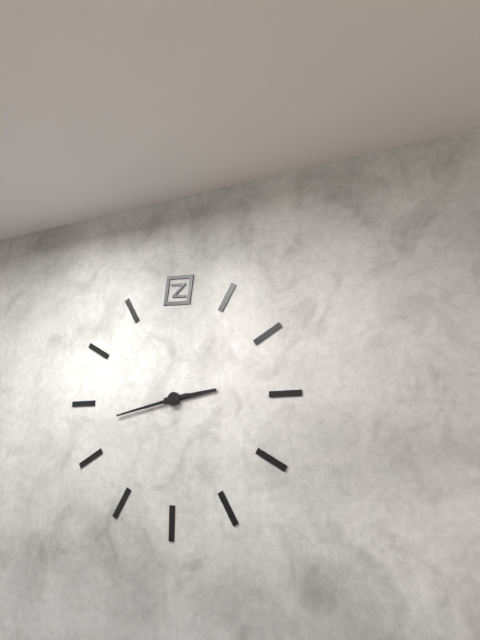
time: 2:43
